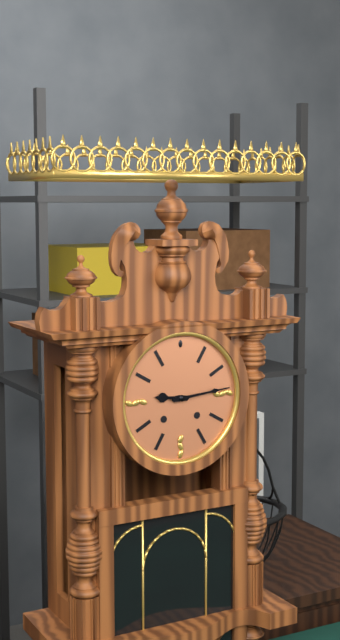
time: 9:14
